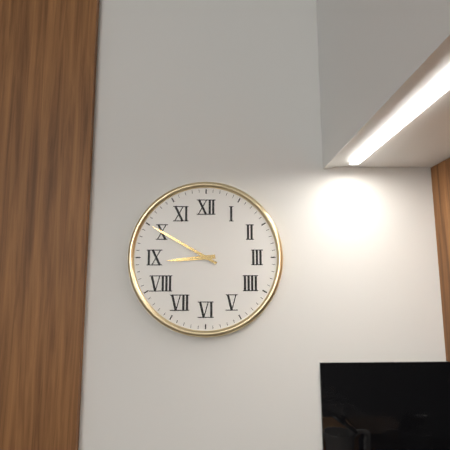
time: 8:50
